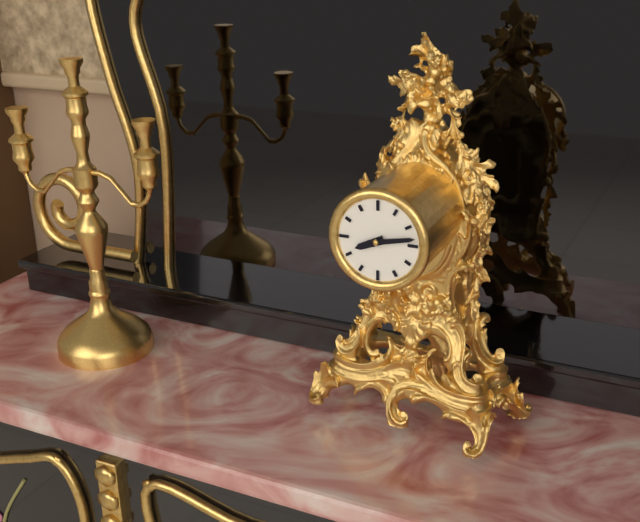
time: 8:13
